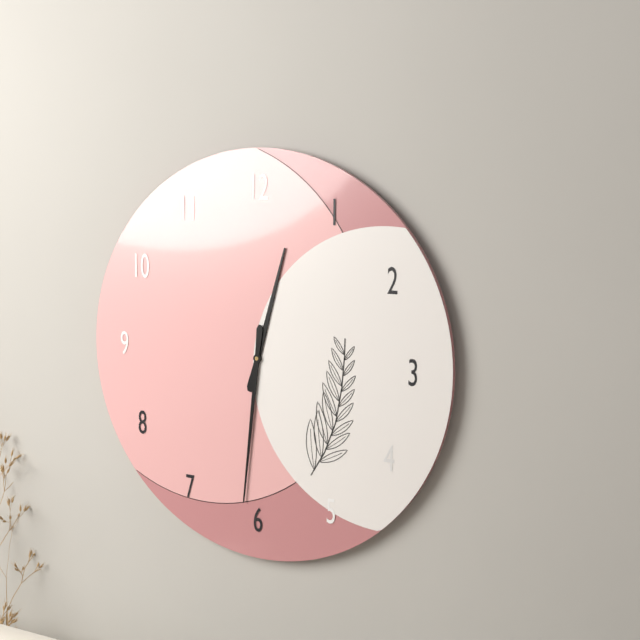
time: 12:31
